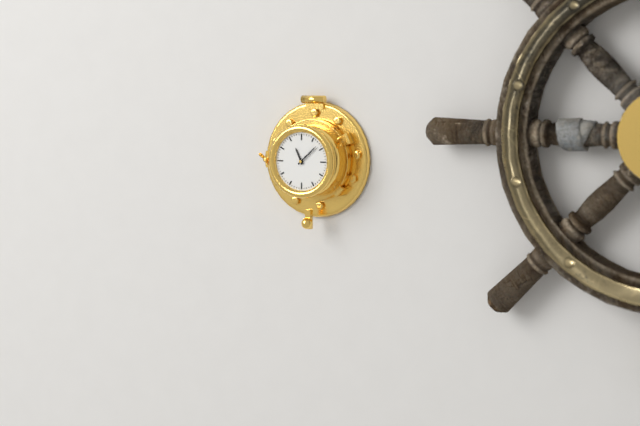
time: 11:08
